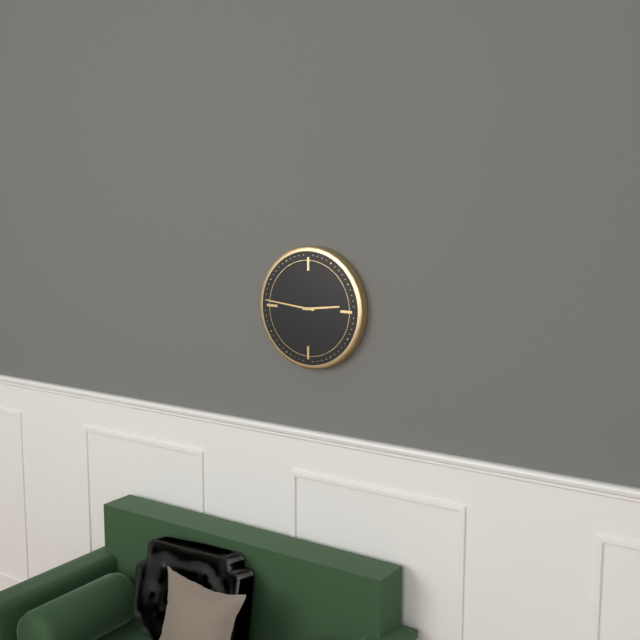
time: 2:46
